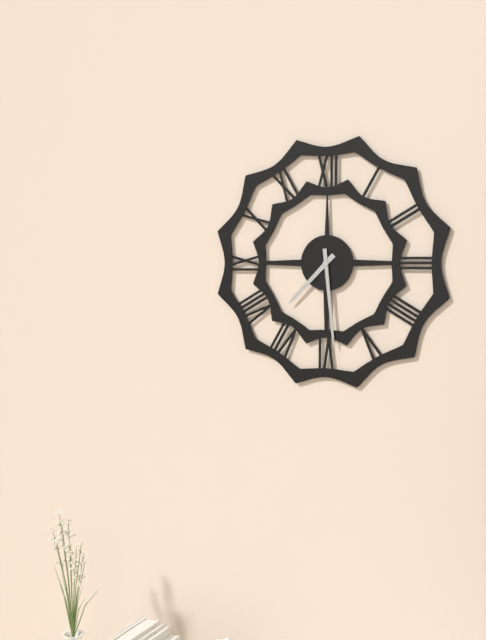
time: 7:29
